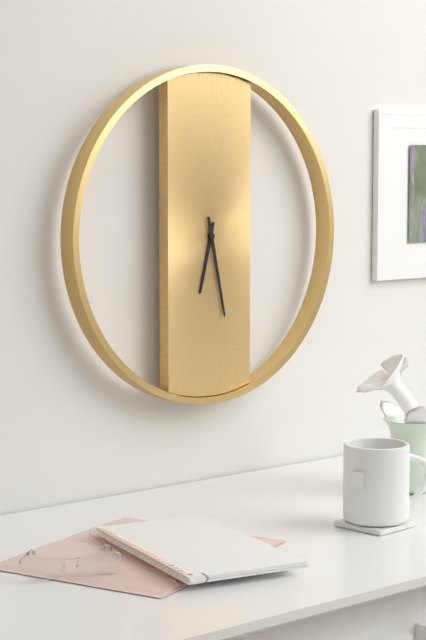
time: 6:28
